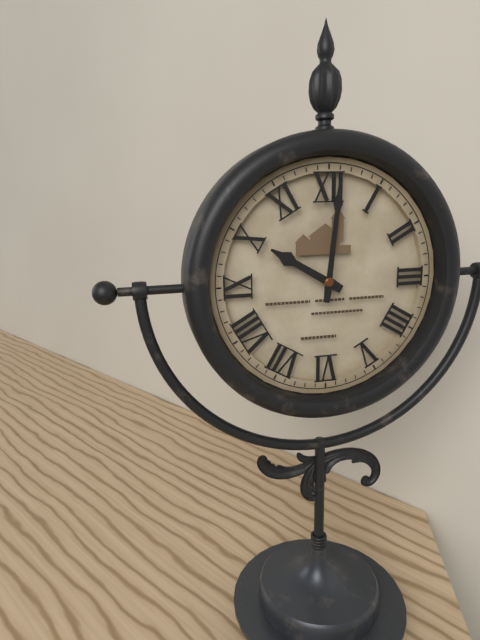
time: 10:01
